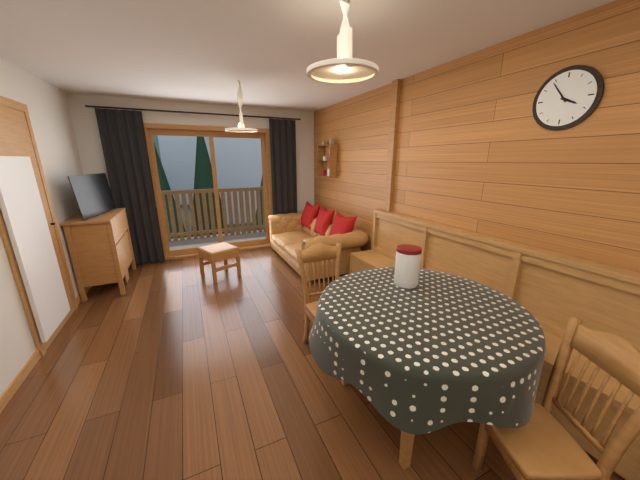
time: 3:54
